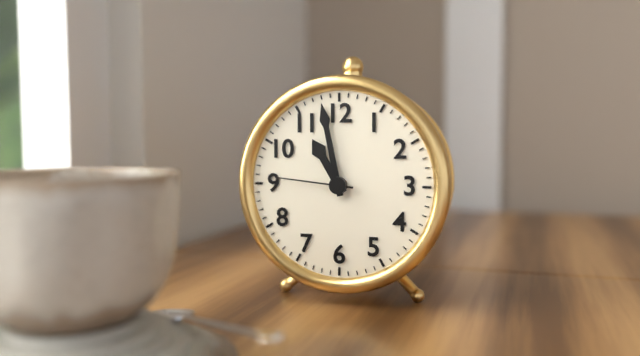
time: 10:58:46
